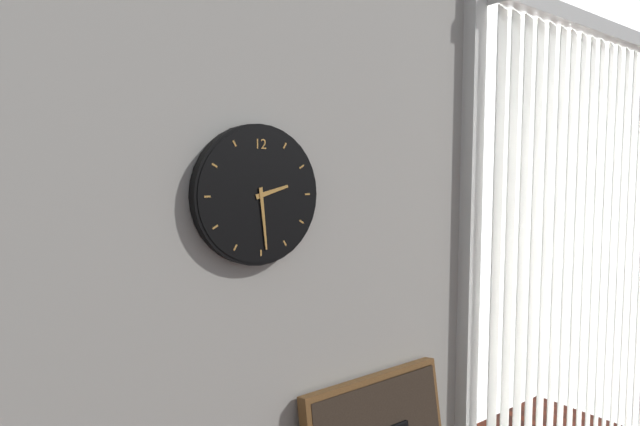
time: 2:29
